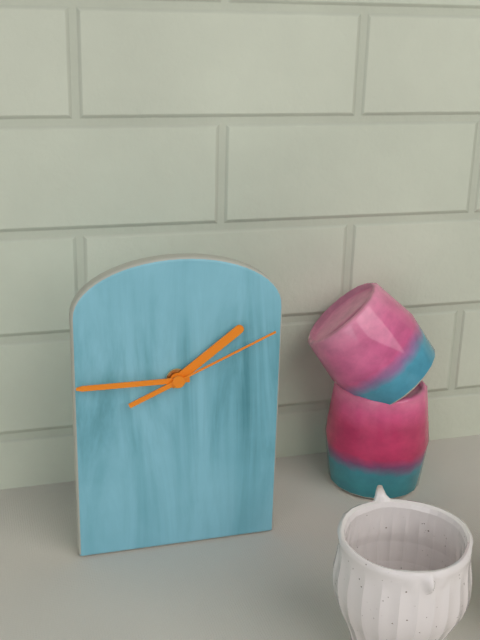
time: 1:45:11
